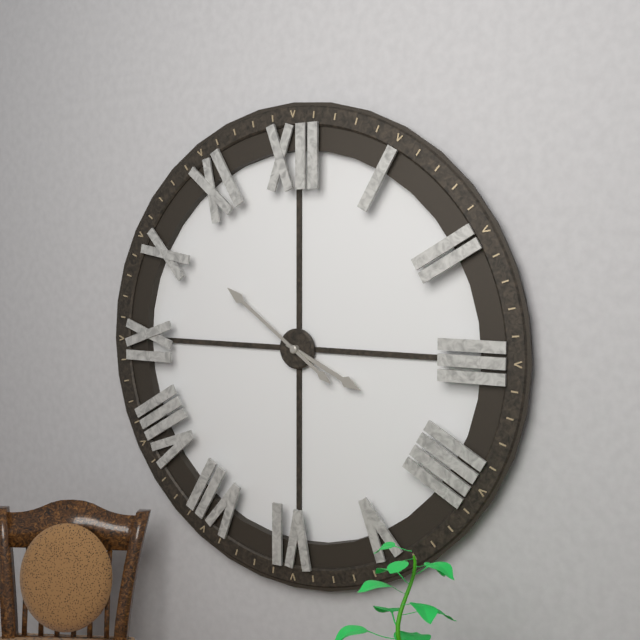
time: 3:51
